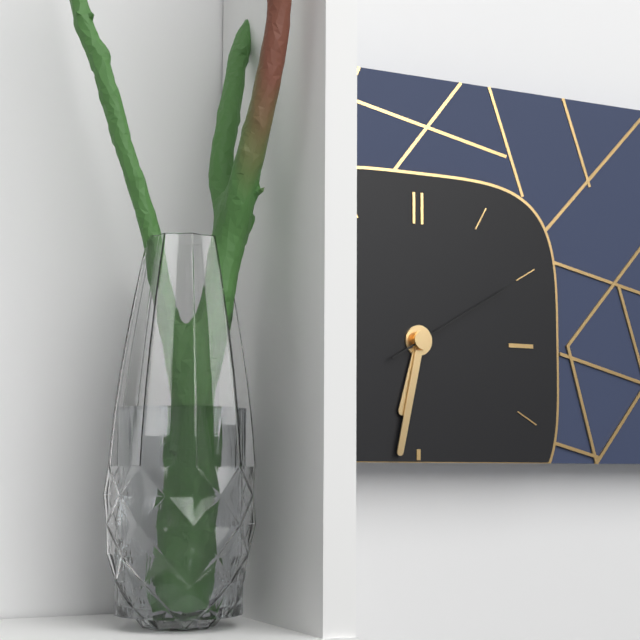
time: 6:32:10
